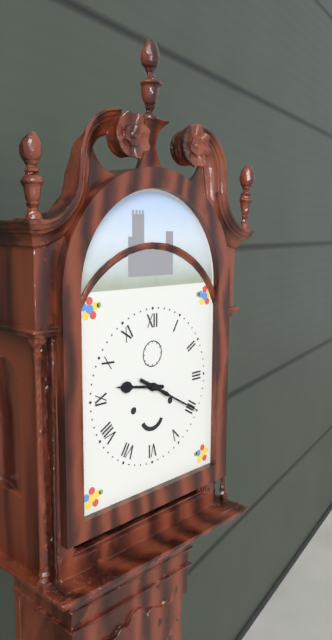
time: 9:20
